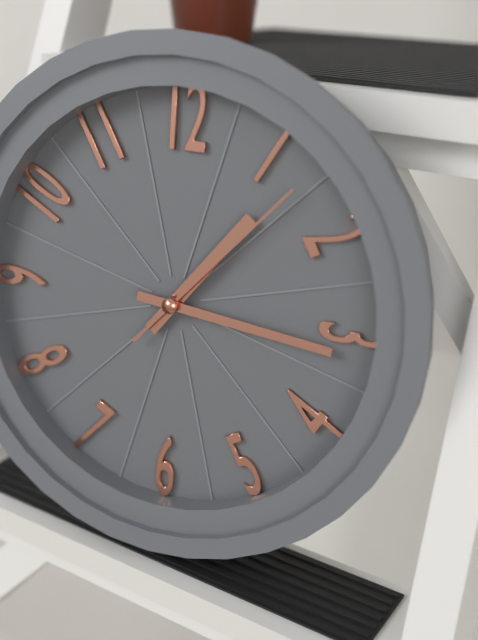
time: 1:16:07
